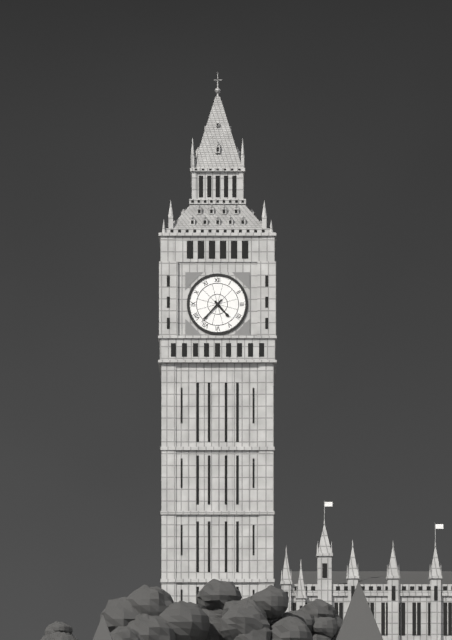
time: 4:37
